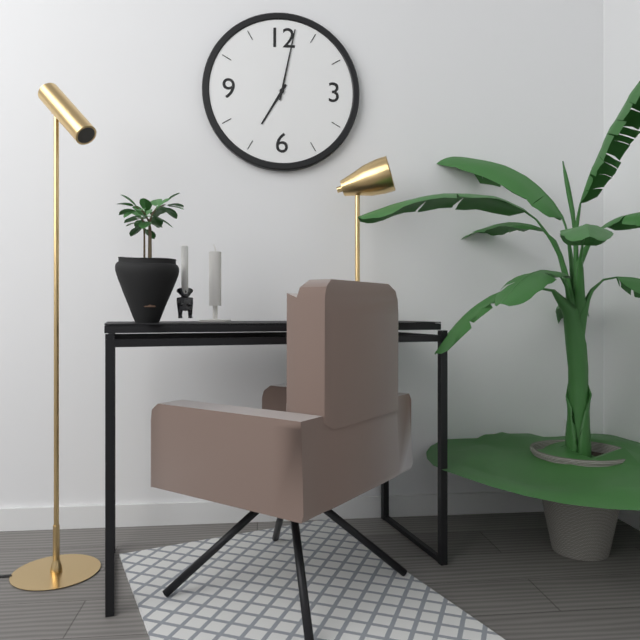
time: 7:02
